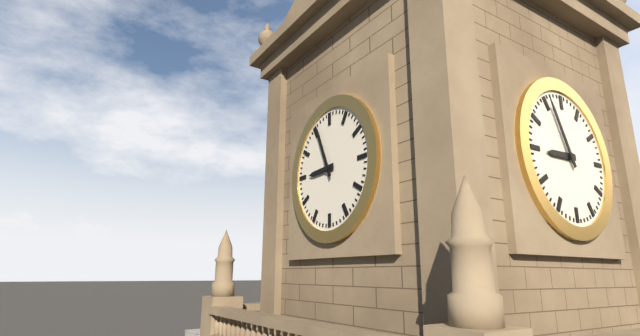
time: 8:56
